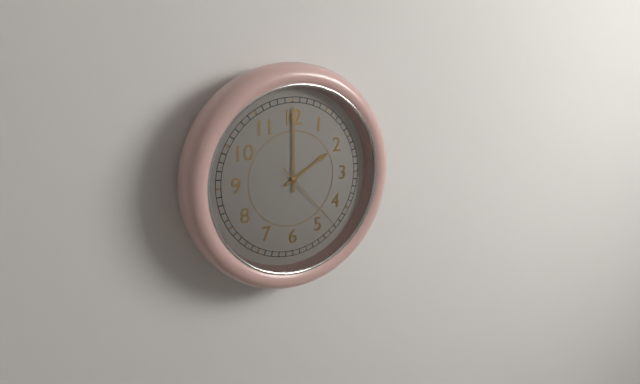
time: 2:00:23
